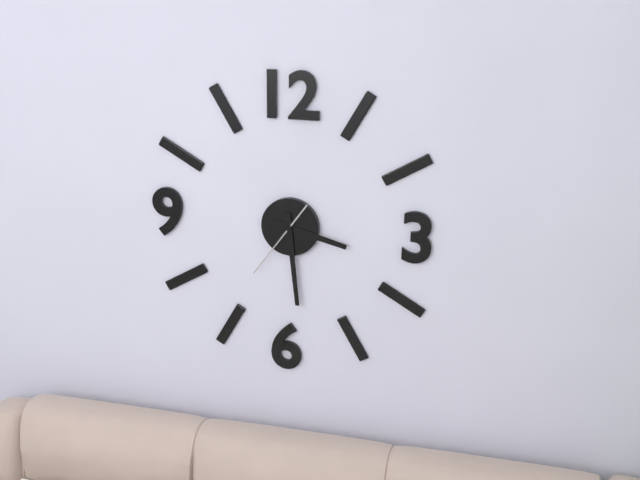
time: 3:29:36
